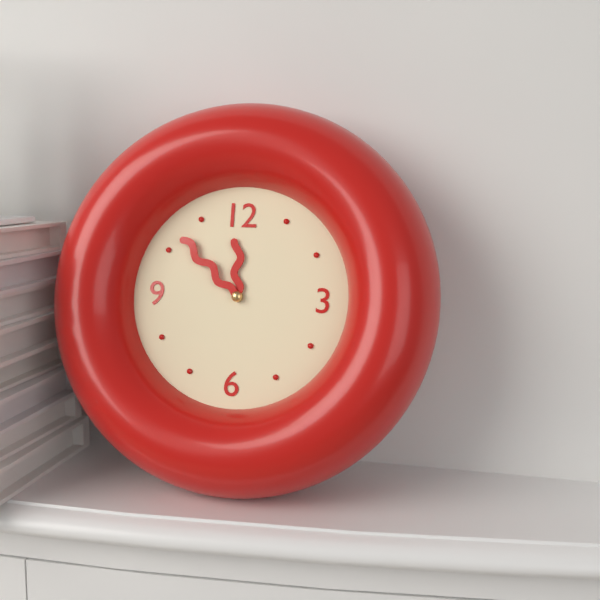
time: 11:52
